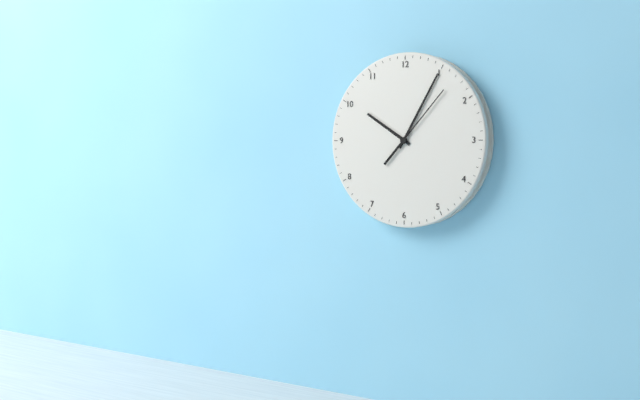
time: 10:05:07
